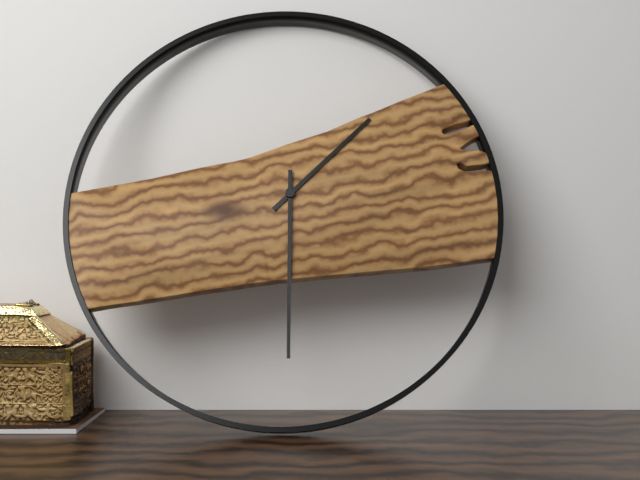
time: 1:30
